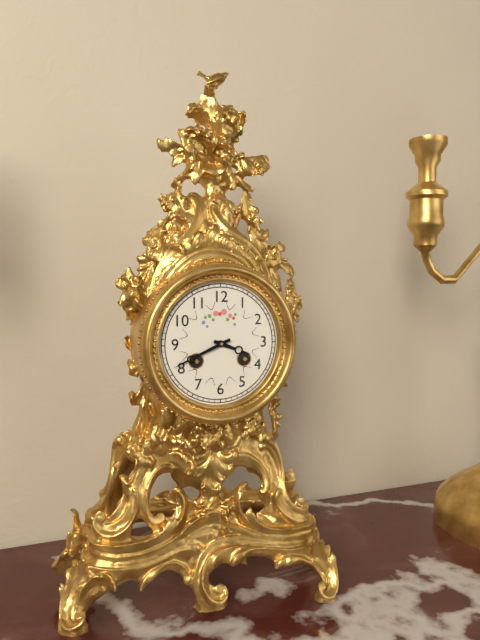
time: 3:41
